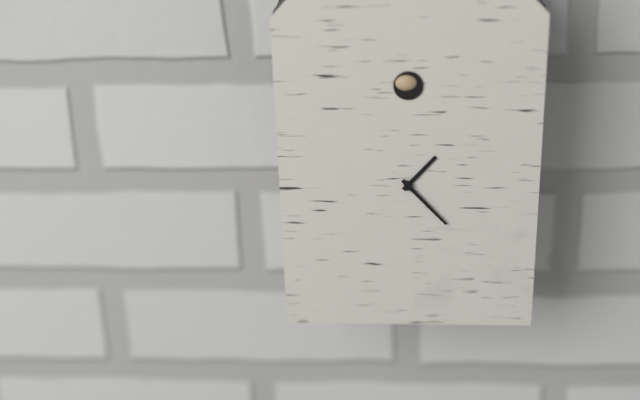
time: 1:23
